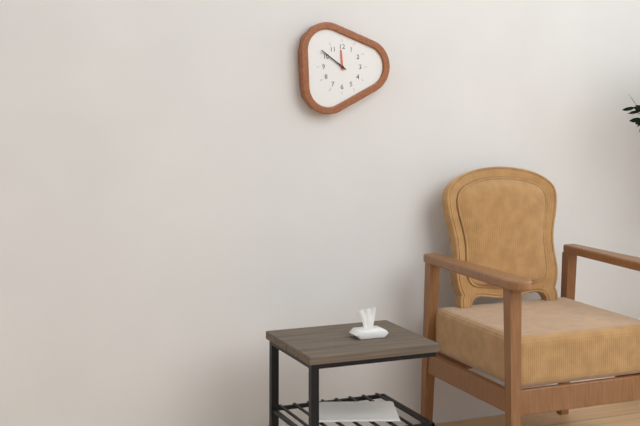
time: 11:51
